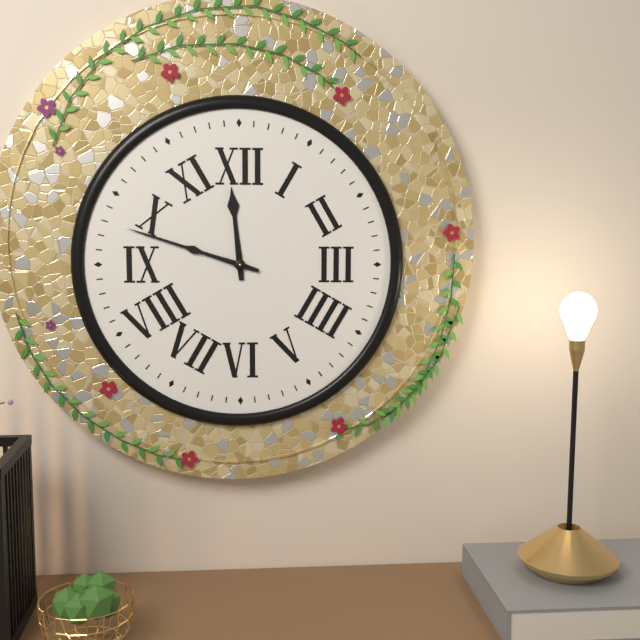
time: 11:48
